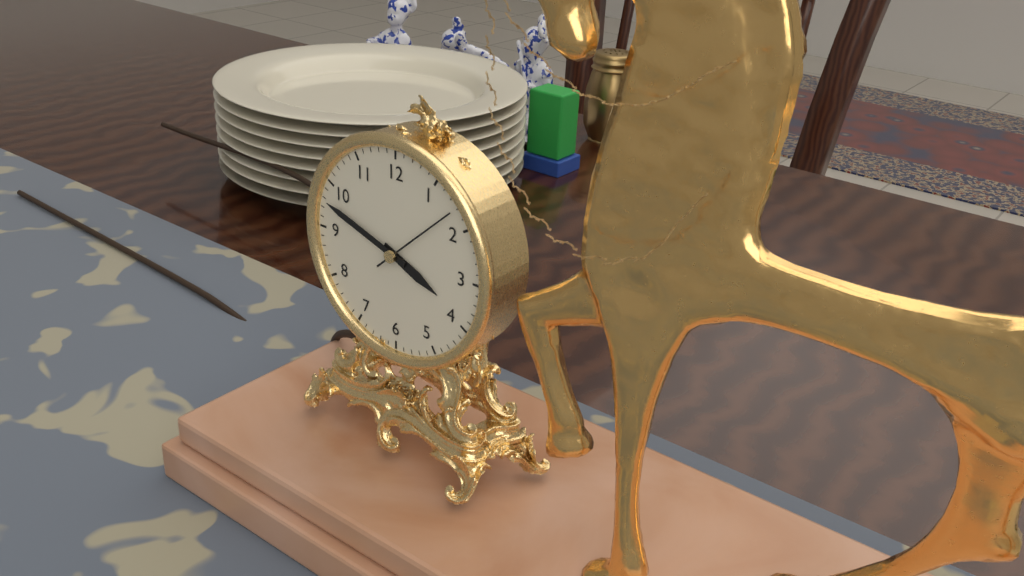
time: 3:48:08
